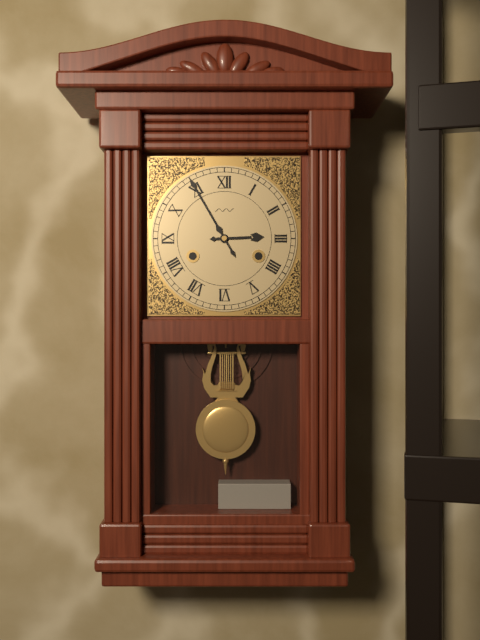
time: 2:55
